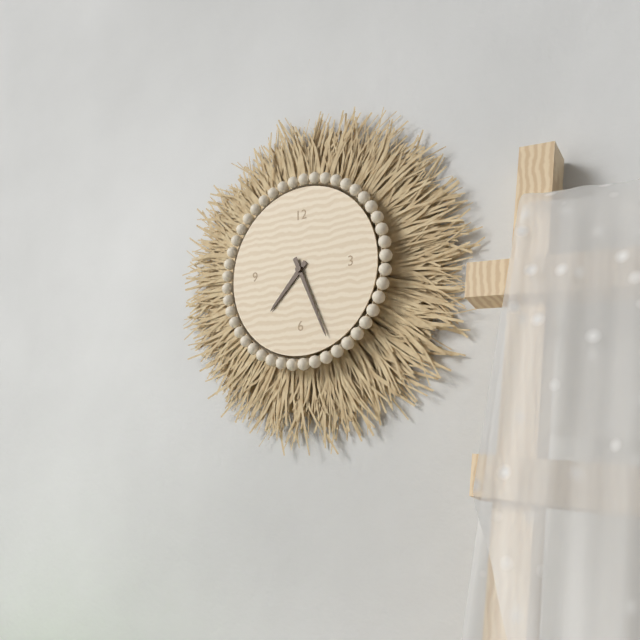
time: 7:26
